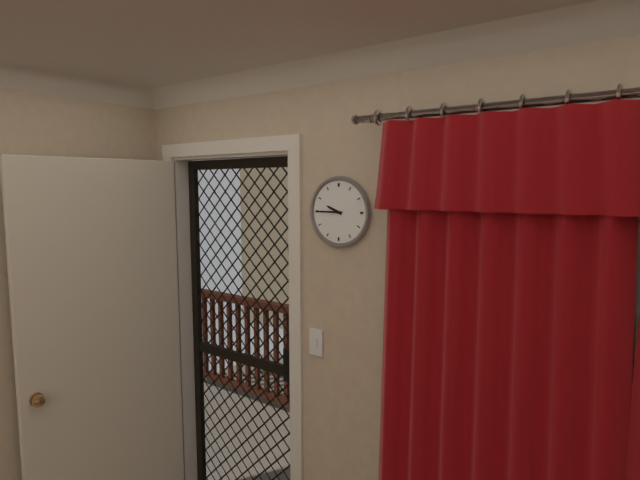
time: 9:45
